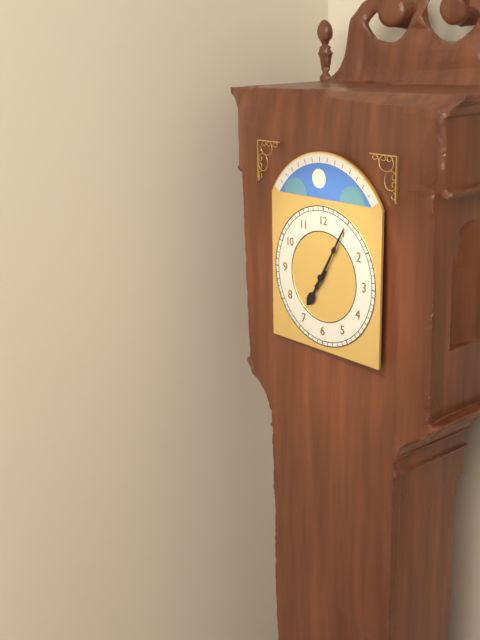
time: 7:05
